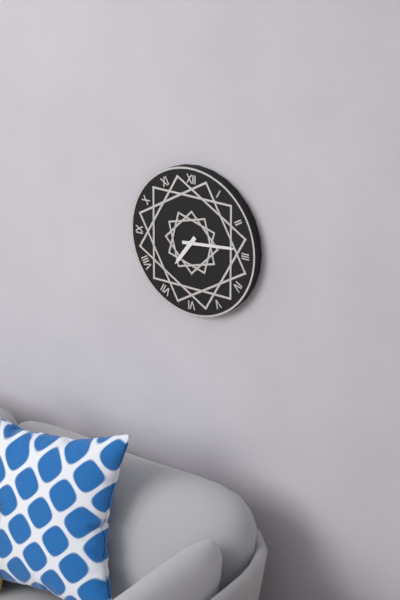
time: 7:14
